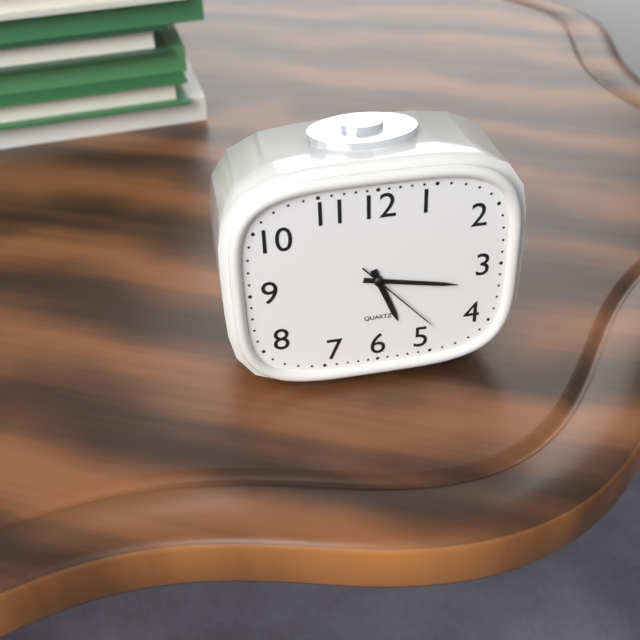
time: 5:17:23
